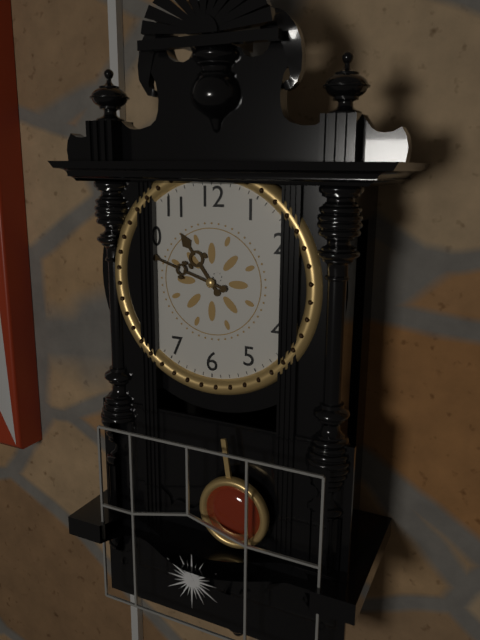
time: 10:48
